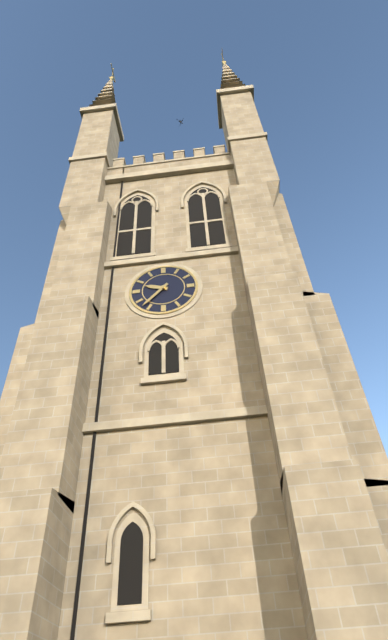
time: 9:37
